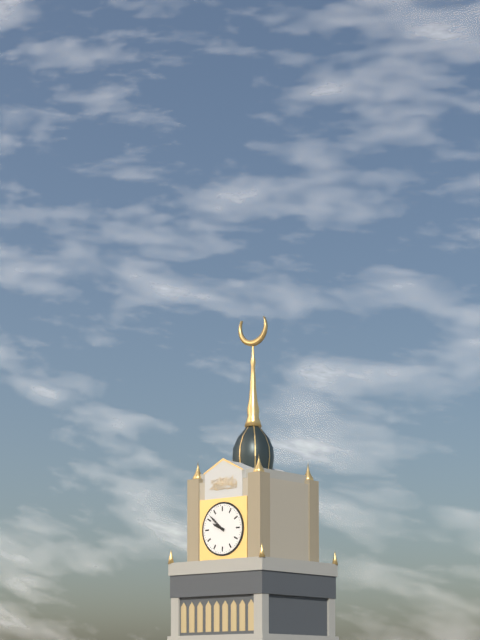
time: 9:52
